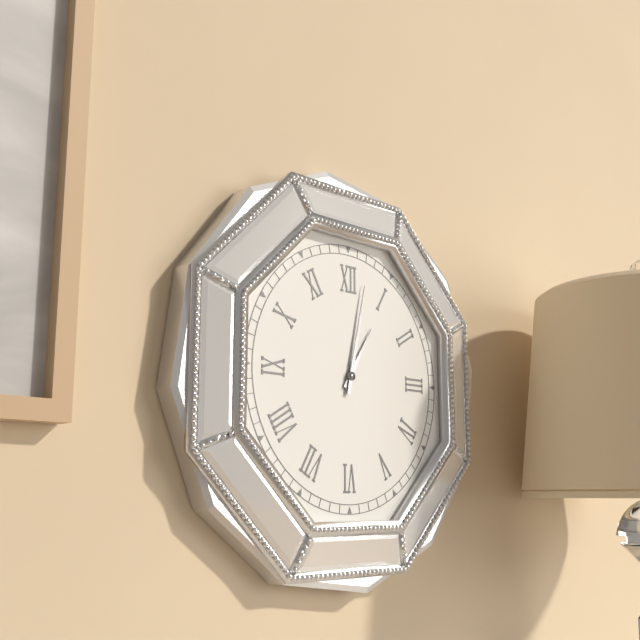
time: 1:02
